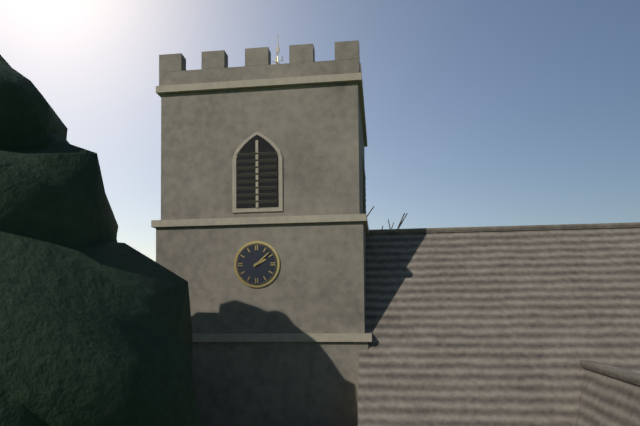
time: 2:08
